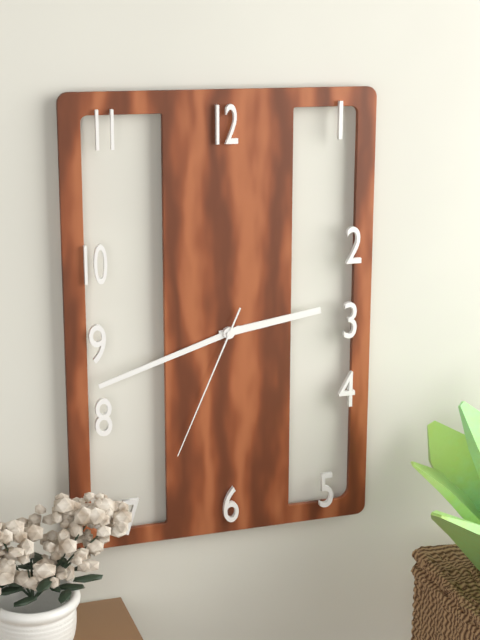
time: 2:42:34
